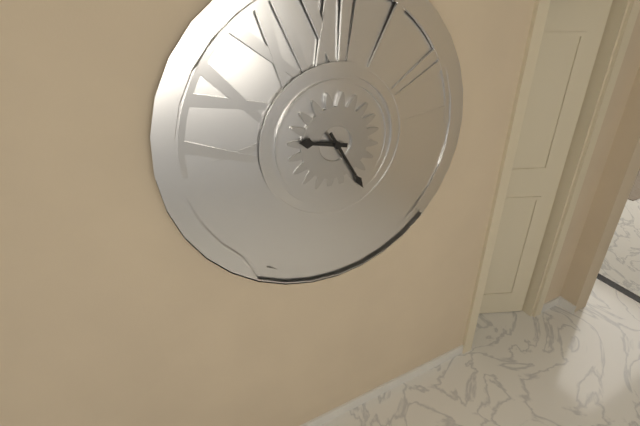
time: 9:25
